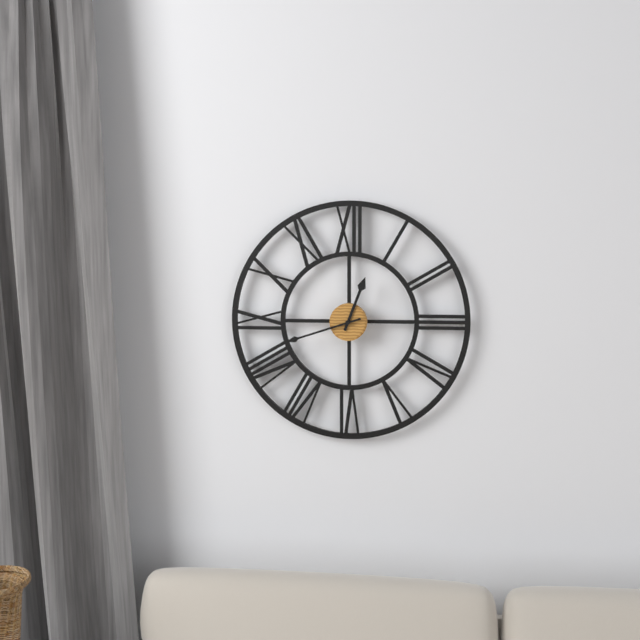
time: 12:42
